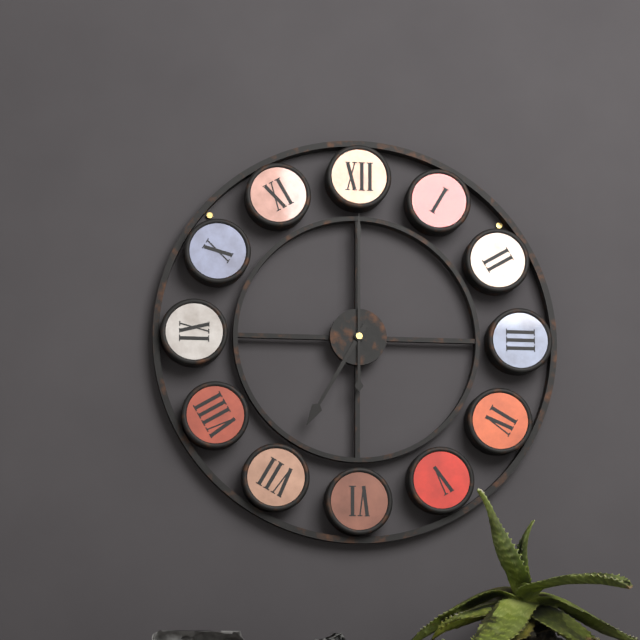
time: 7:00
